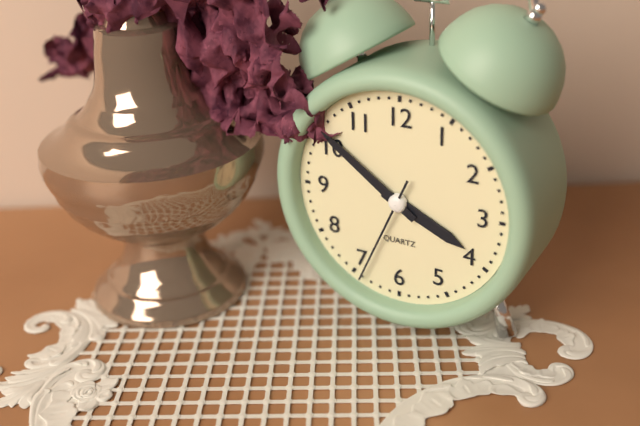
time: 3:51:34
